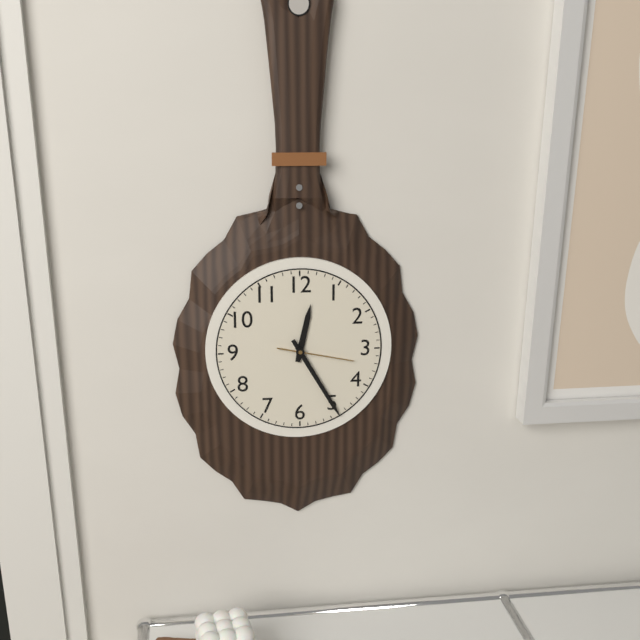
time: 12:25:17
